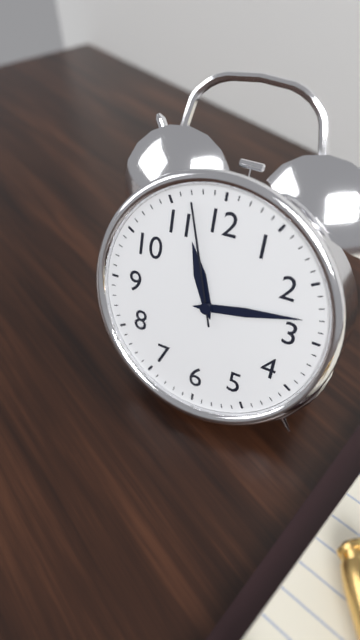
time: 11:13:57
